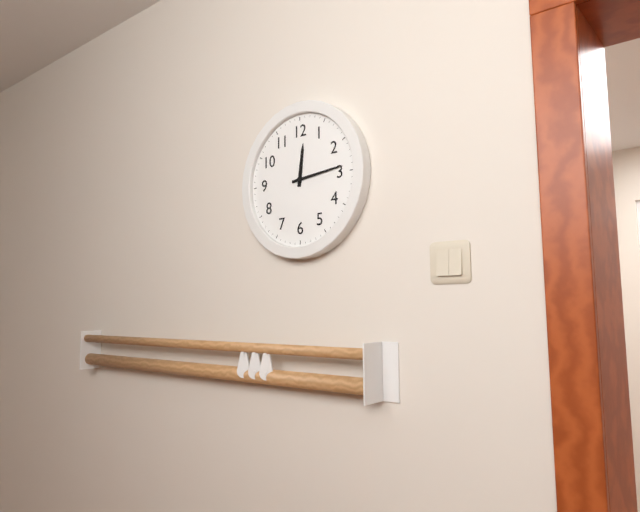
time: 12:14
